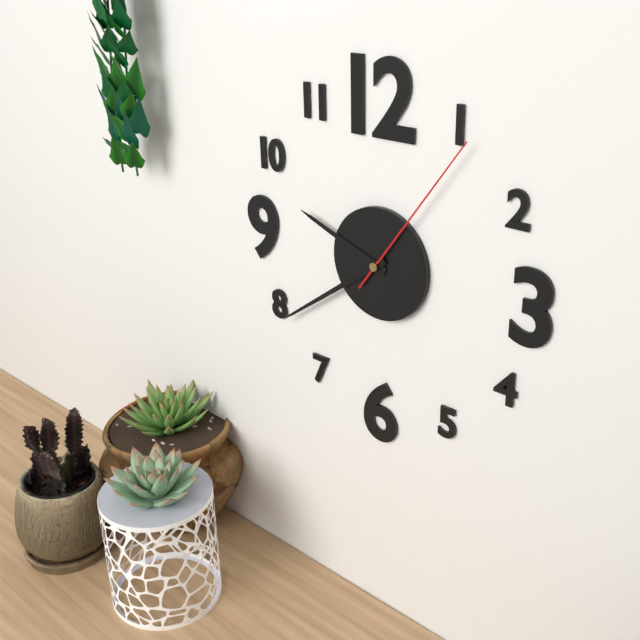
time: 9:39:06
